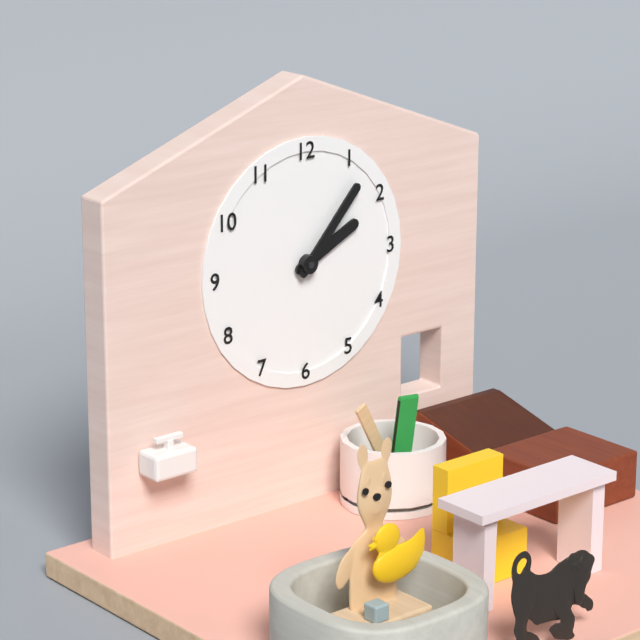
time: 2:07
